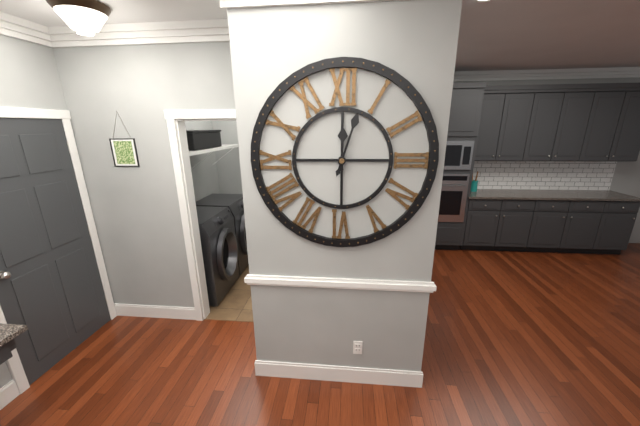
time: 12:03
